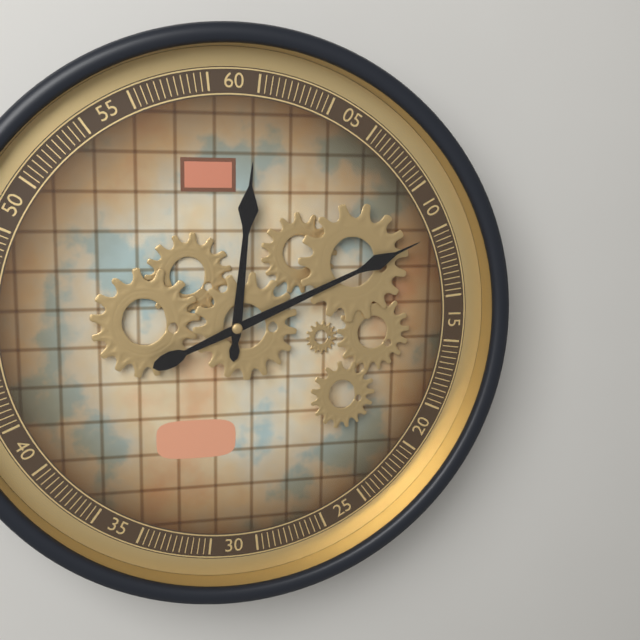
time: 12:11
